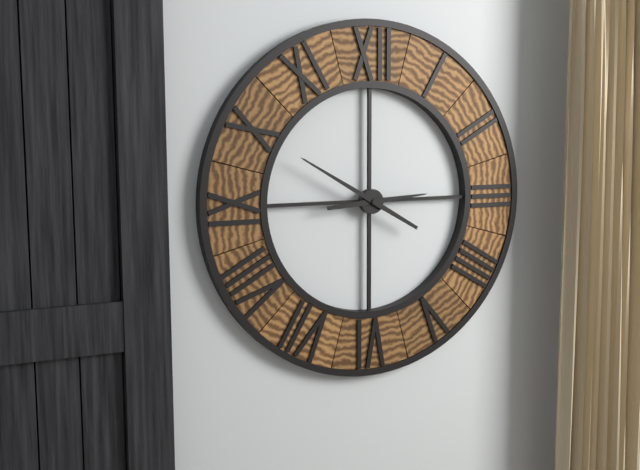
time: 2:50
